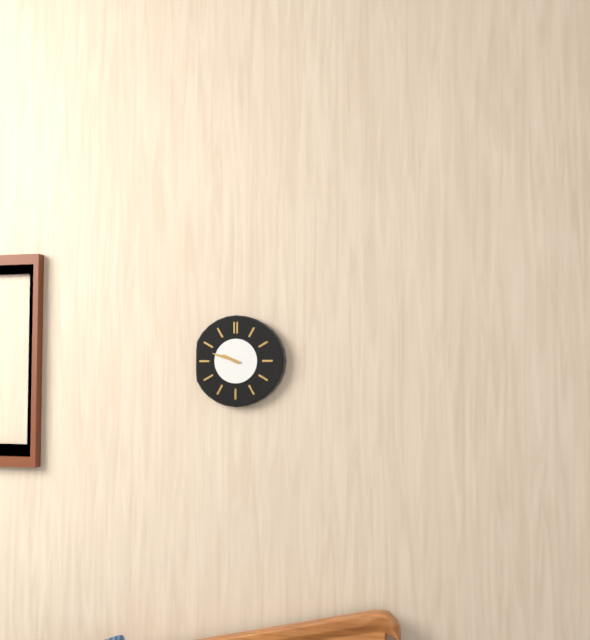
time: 9:48
